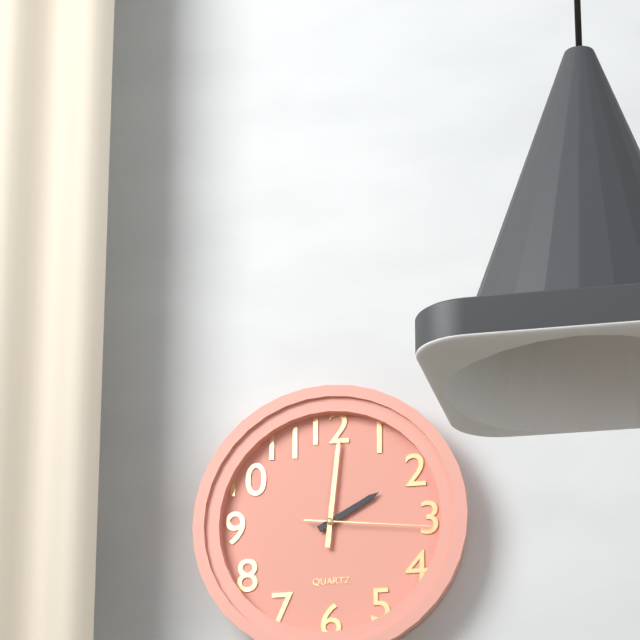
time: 2:01:16
